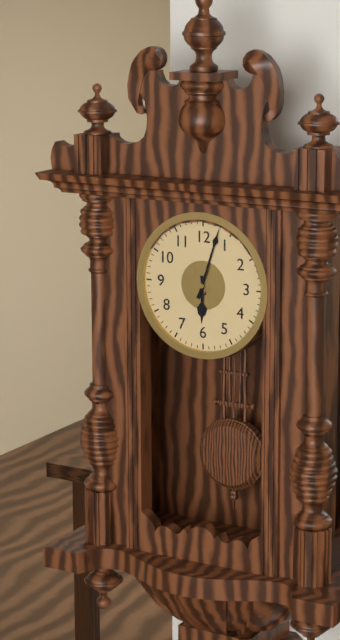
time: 6:03
